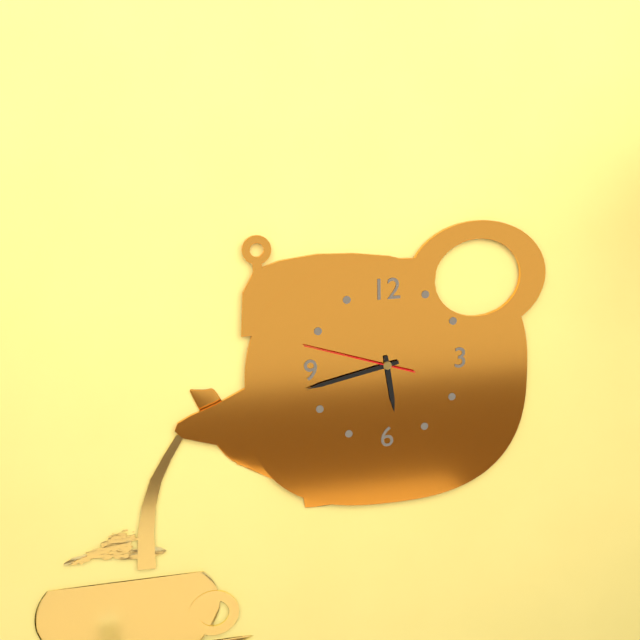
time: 5:43:48
